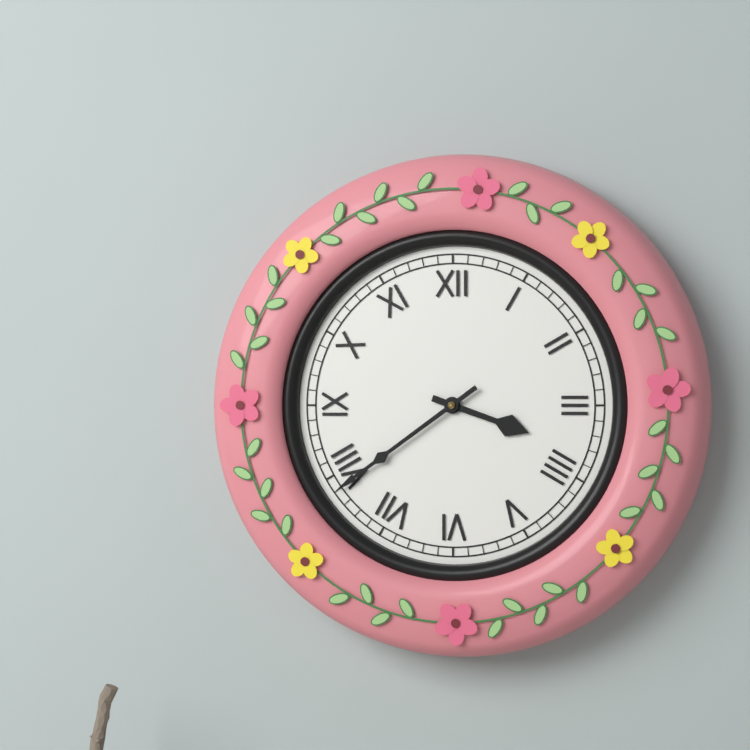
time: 3:39
